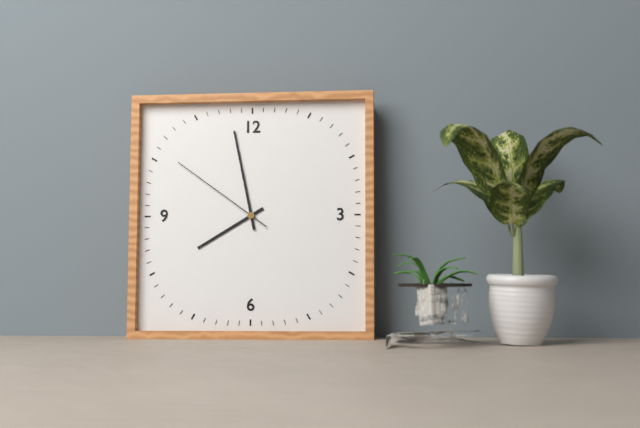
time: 7:58:51
